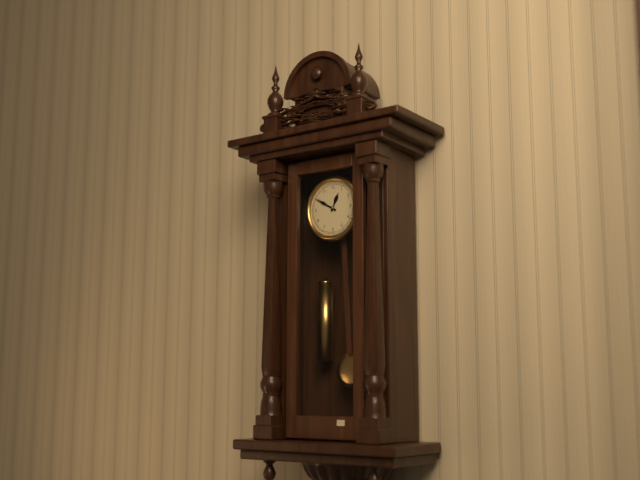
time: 12:50
